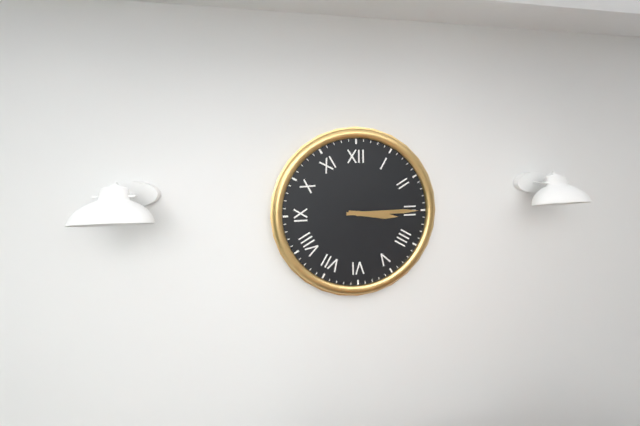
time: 3:15
